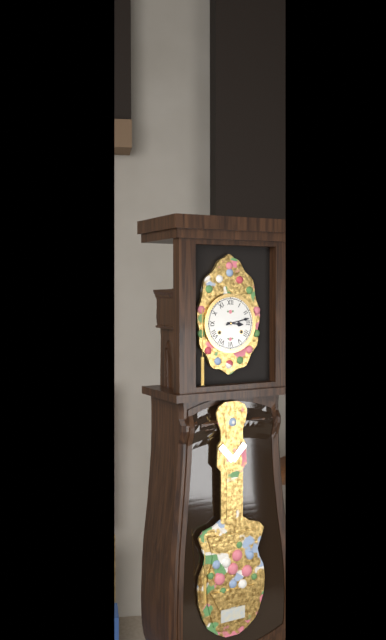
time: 3:13
